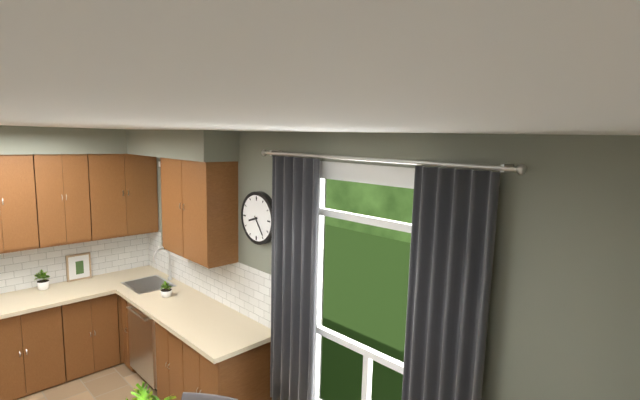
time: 8:24
